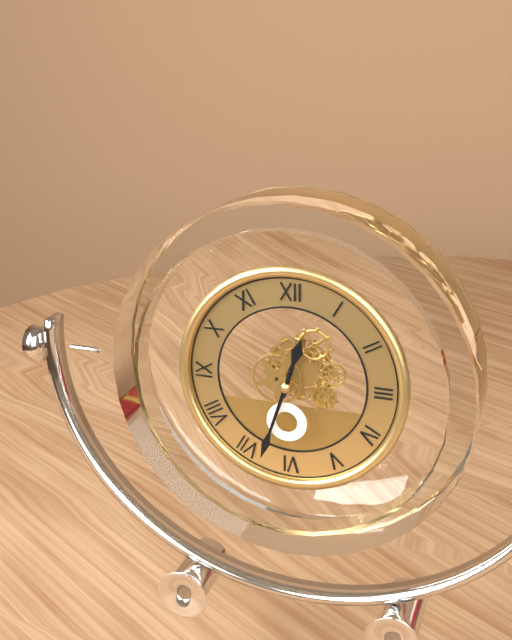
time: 12:33
